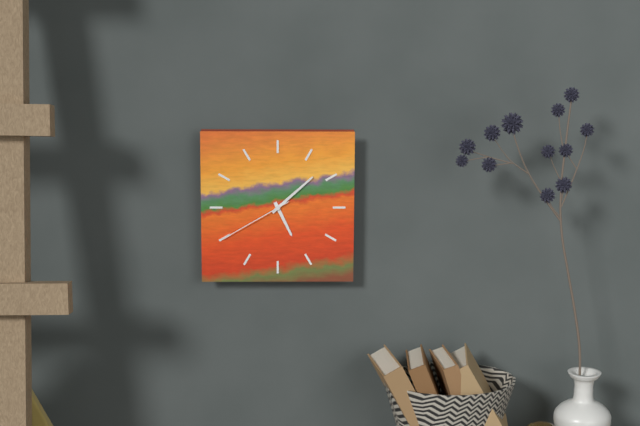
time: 5:08:40
